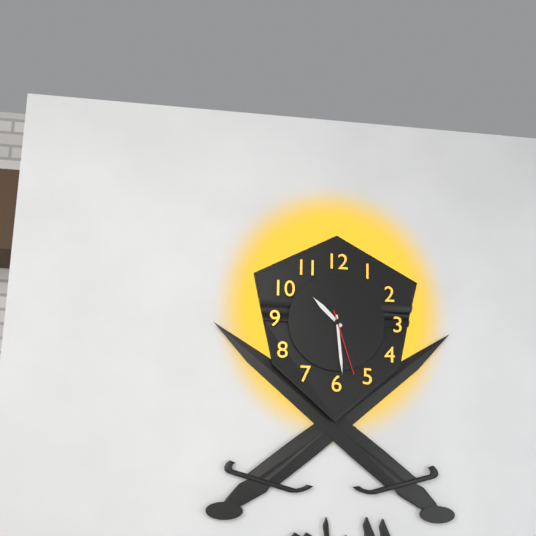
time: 10:29:27
